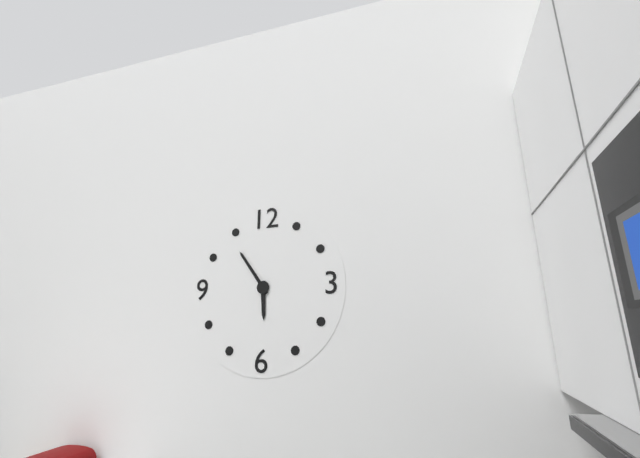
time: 5:54
